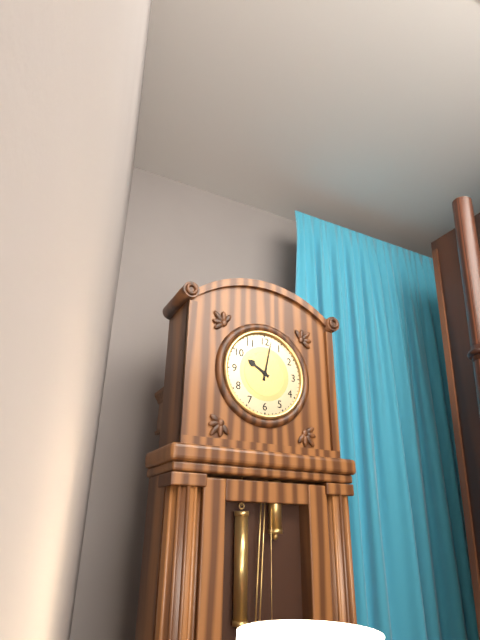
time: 10:02
